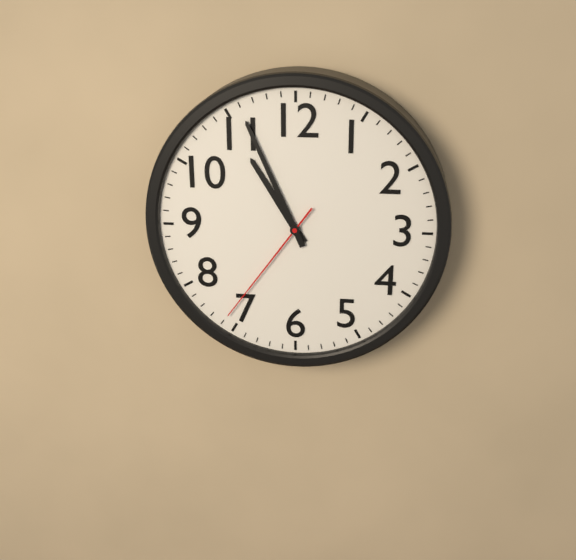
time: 10:56:36
